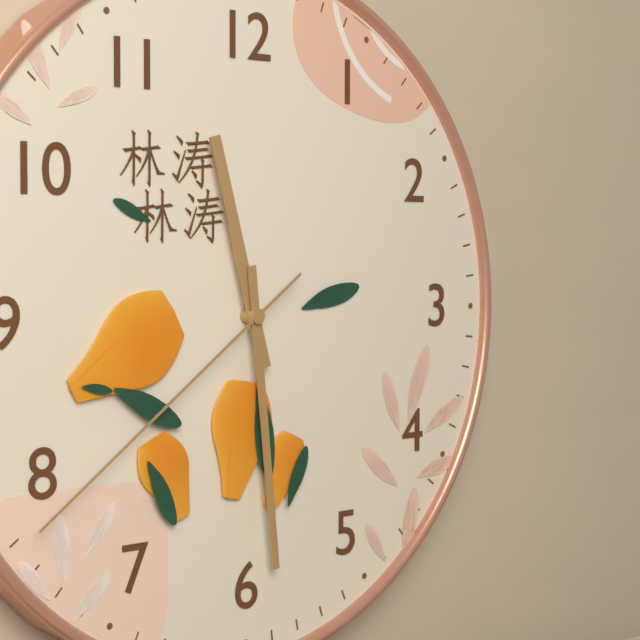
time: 11:29:39
